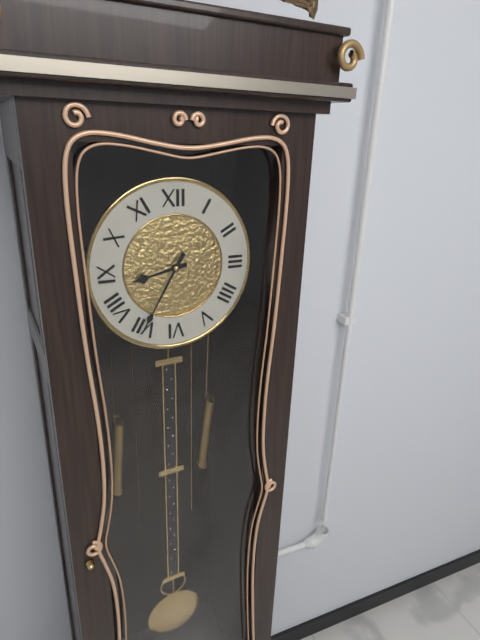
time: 8:35
